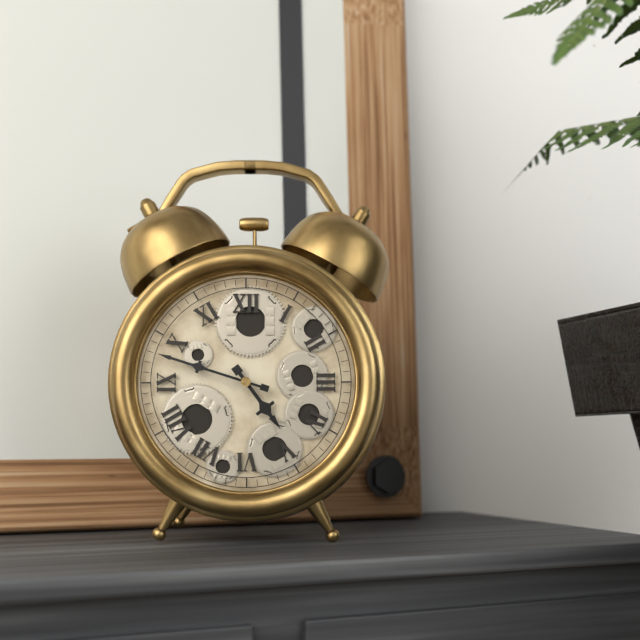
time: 4:48
